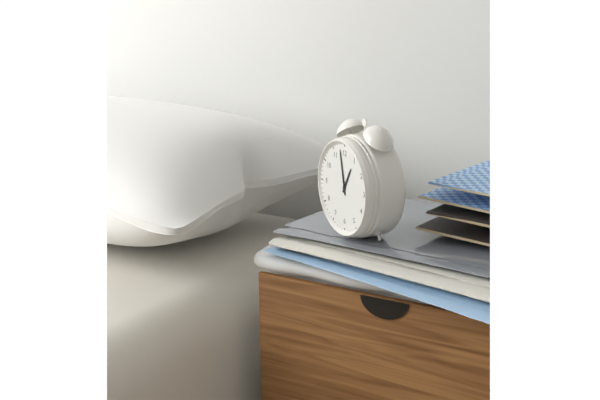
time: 12:58
